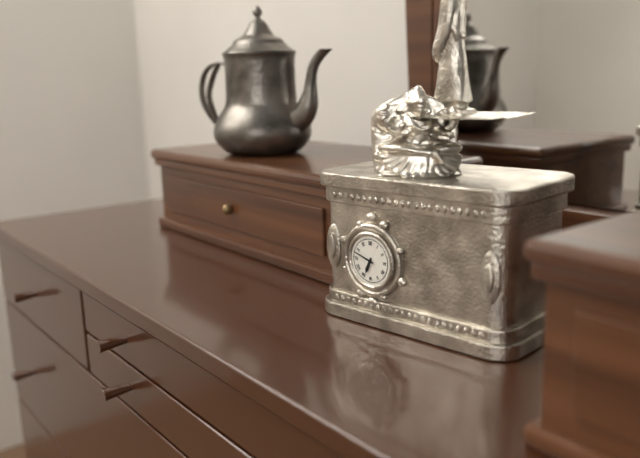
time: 6:48
